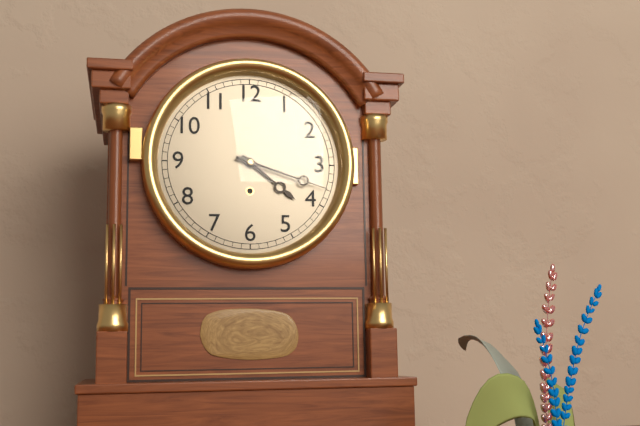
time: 4:18
